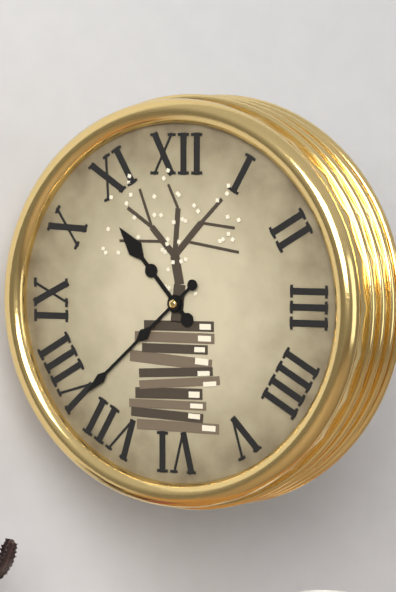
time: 10:38
